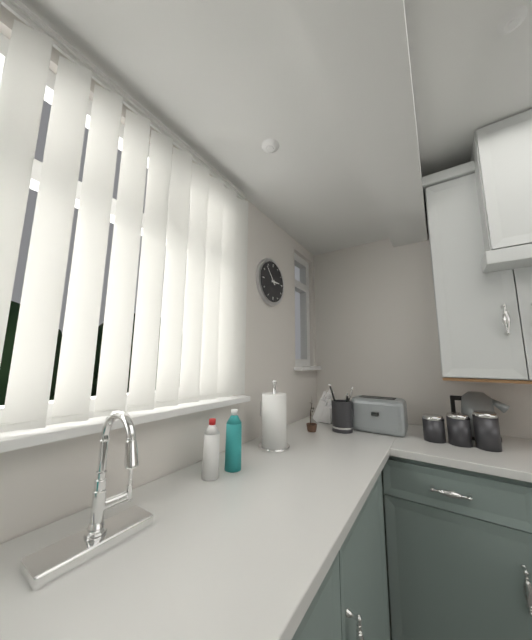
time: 2:53
